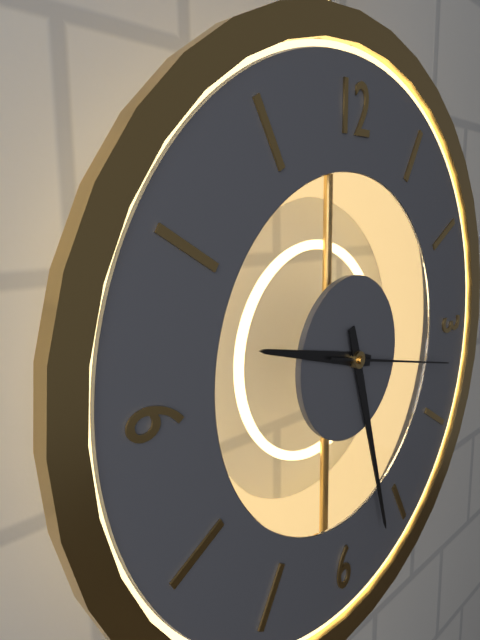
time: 9:27:17
